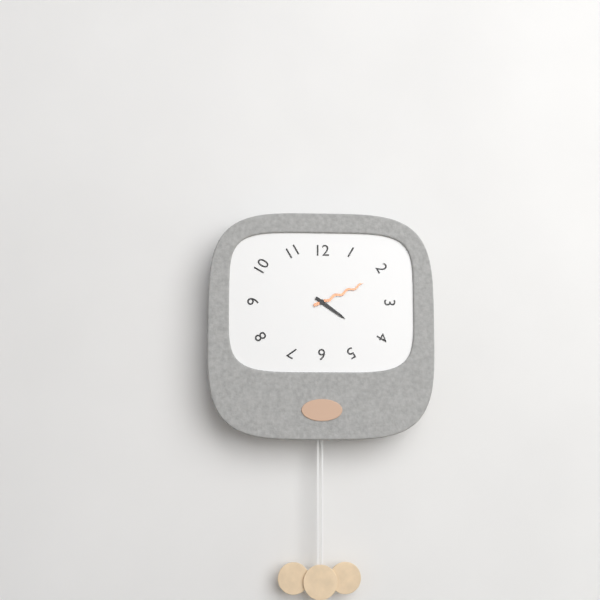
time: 4:11
